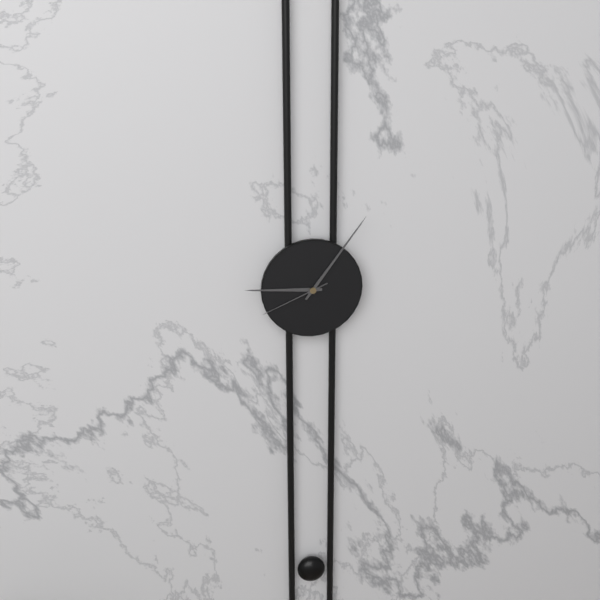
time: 9:06:41
